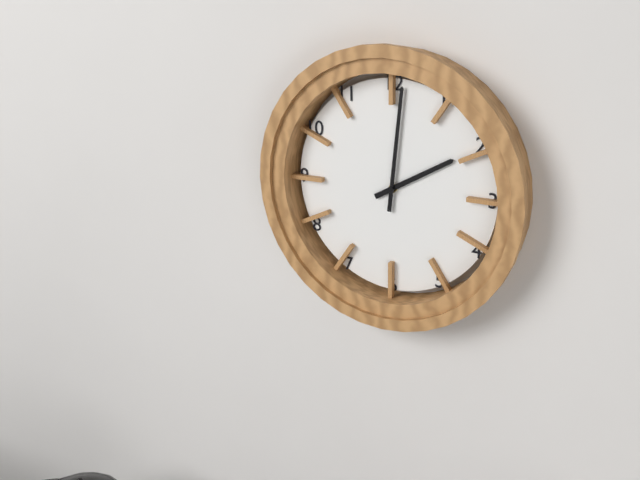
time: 2:01
